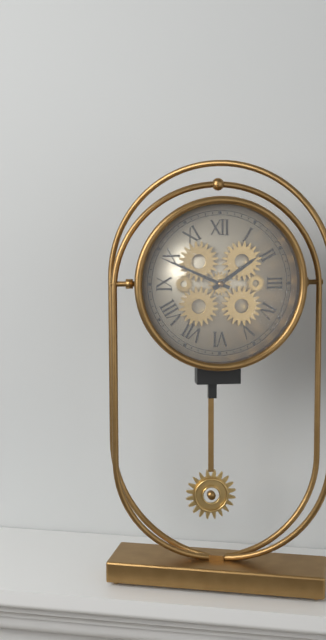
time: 1:49
